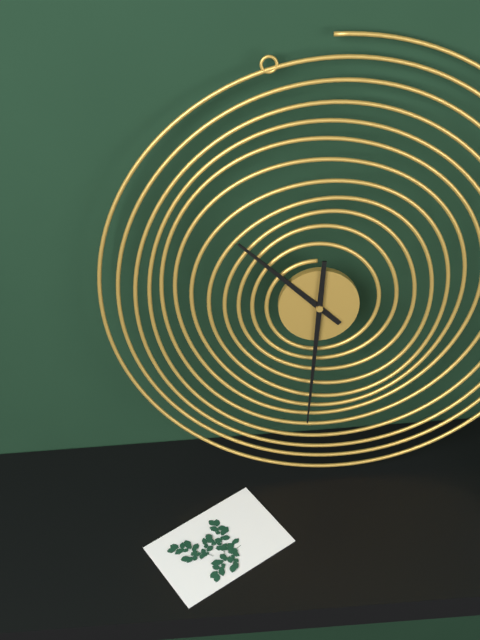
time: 10:31
